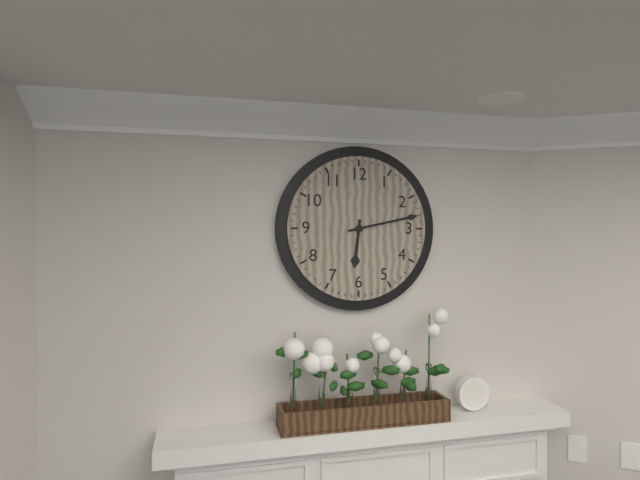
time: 6:13
